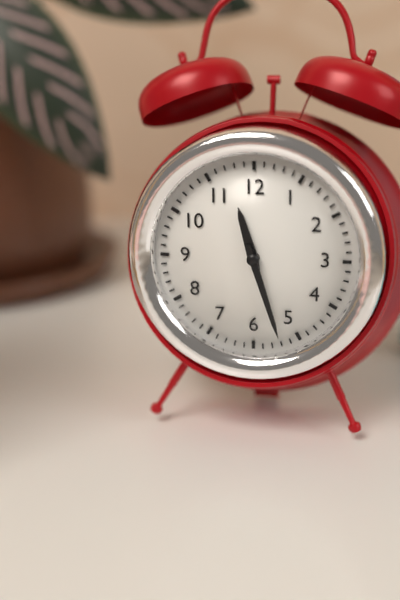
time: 11:27
